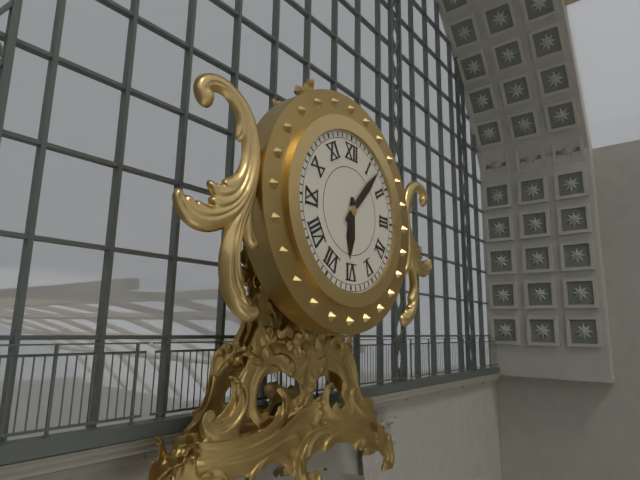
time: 6:07
